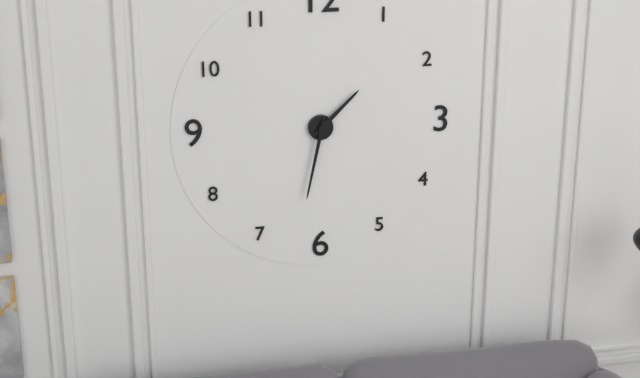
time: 1:32
